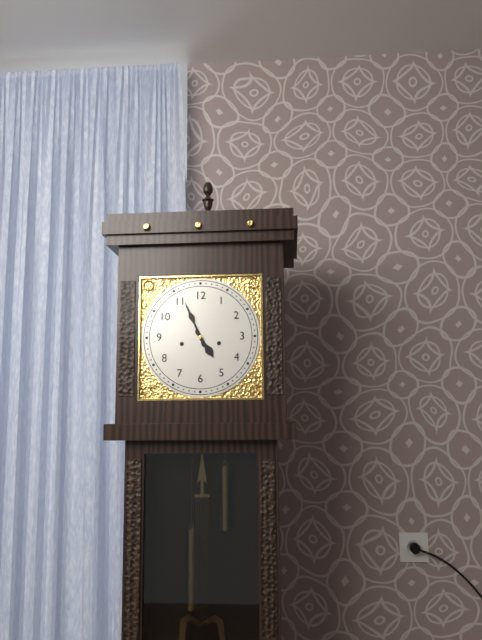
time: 4:56
